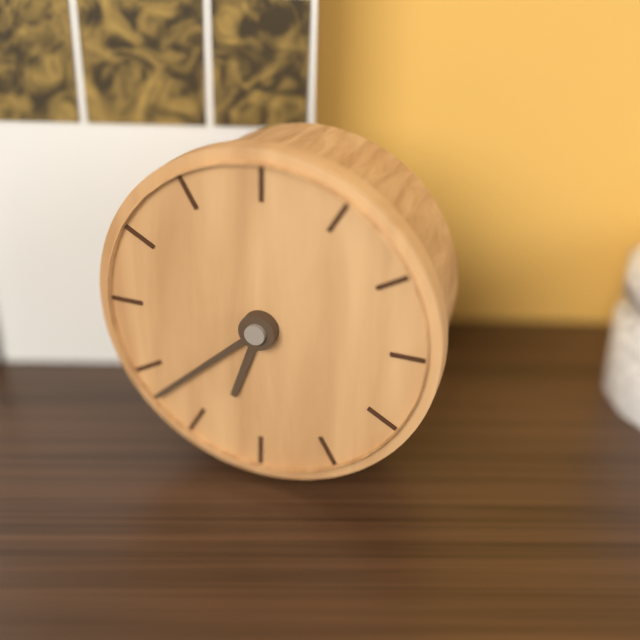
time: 6:38
